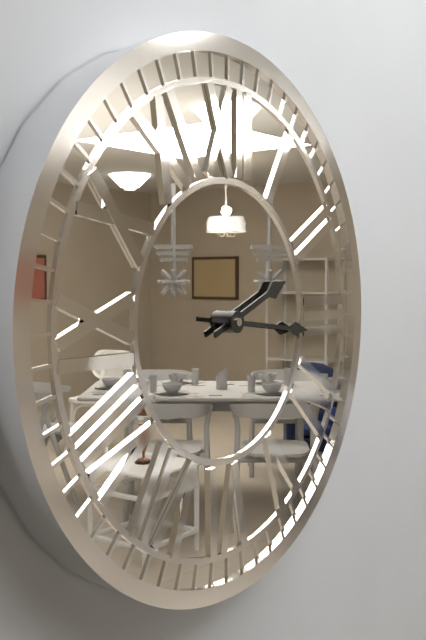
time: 2:16
